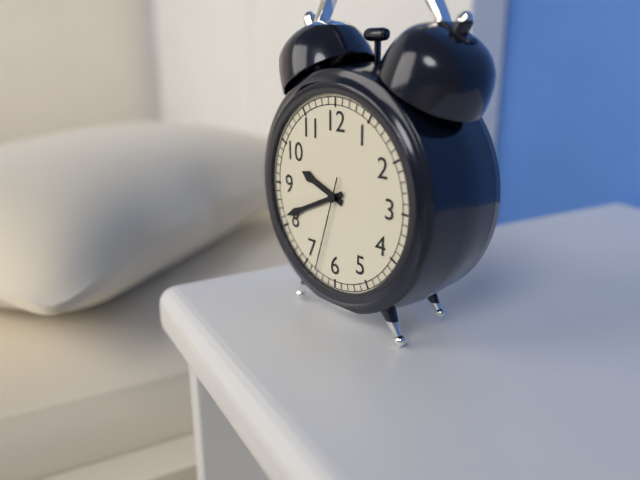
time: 9:41:33
